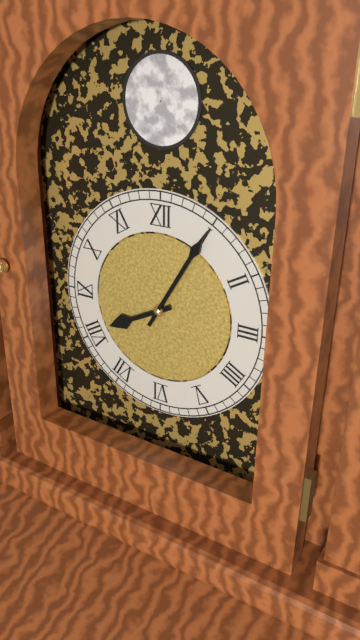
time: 8:05
